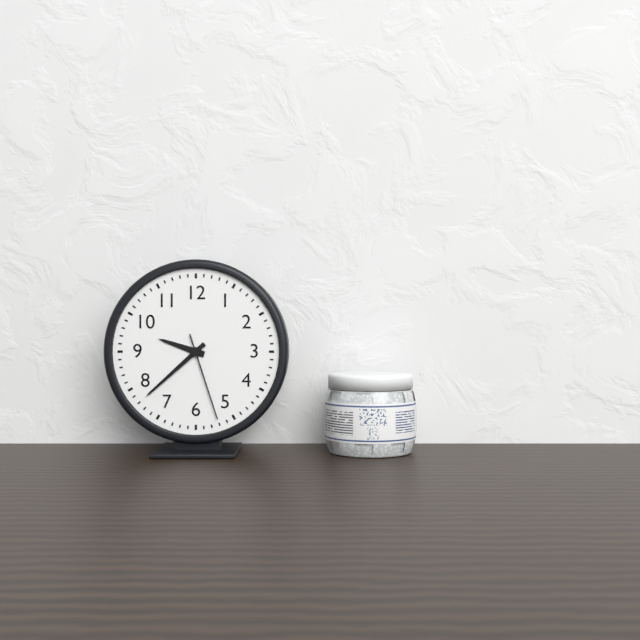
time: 9:38:27
